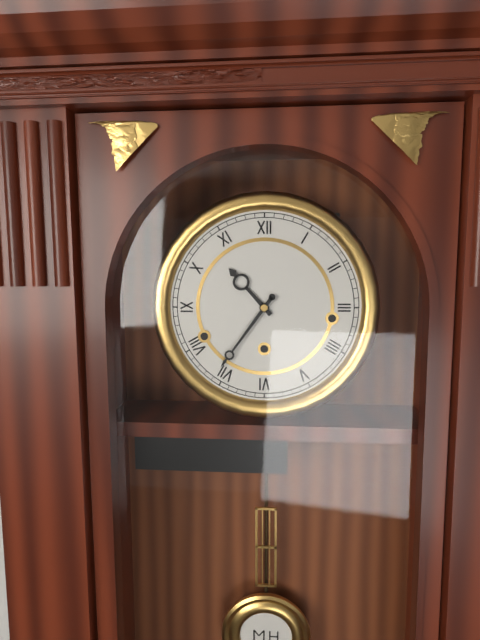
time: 10:36
